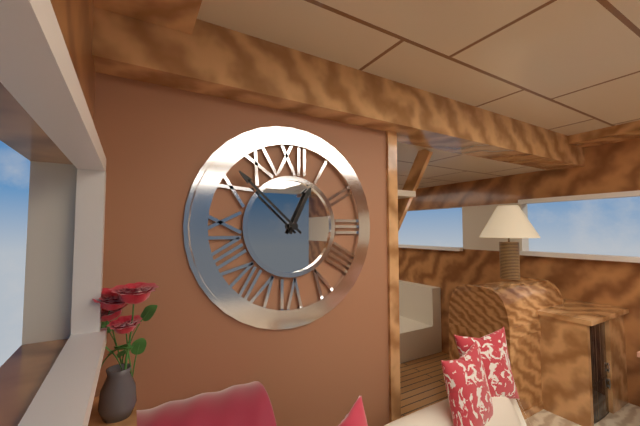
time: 12:52
